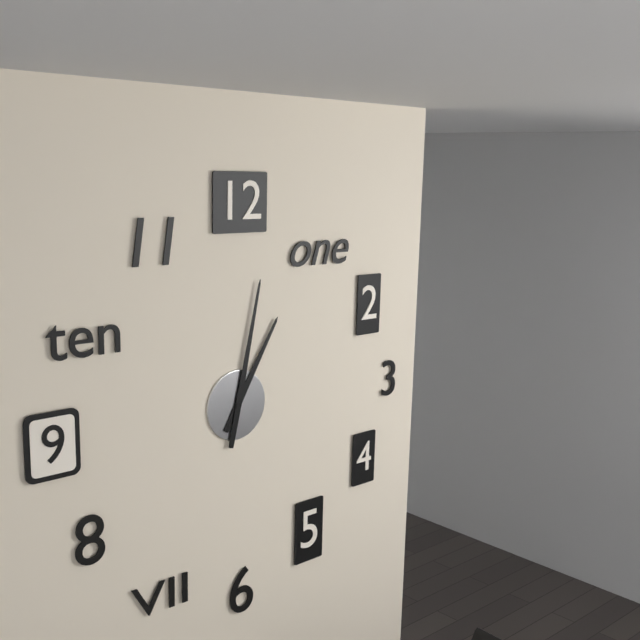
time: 1:02
